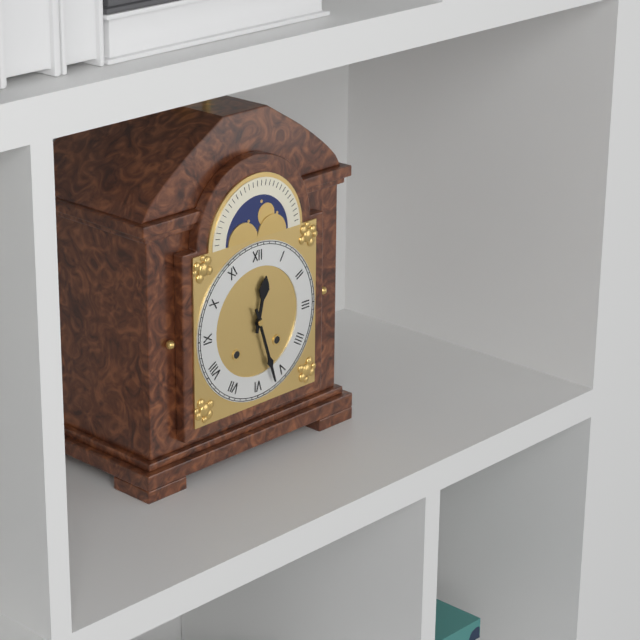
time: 12:27
